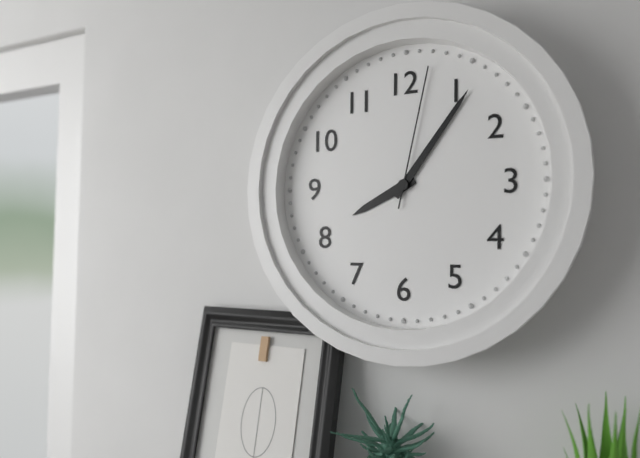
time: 8:06:02
